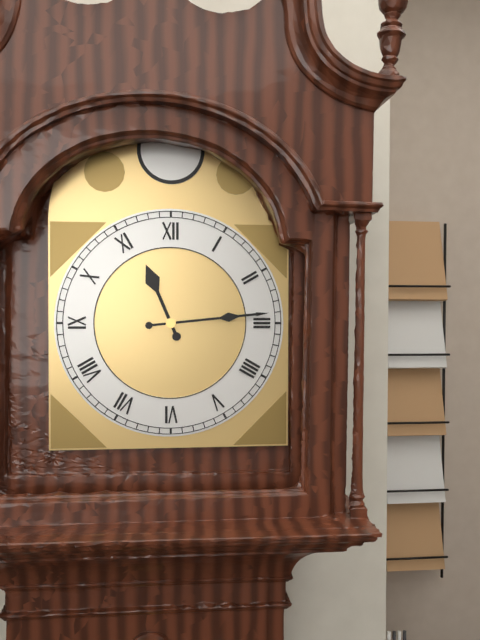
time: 11:14
